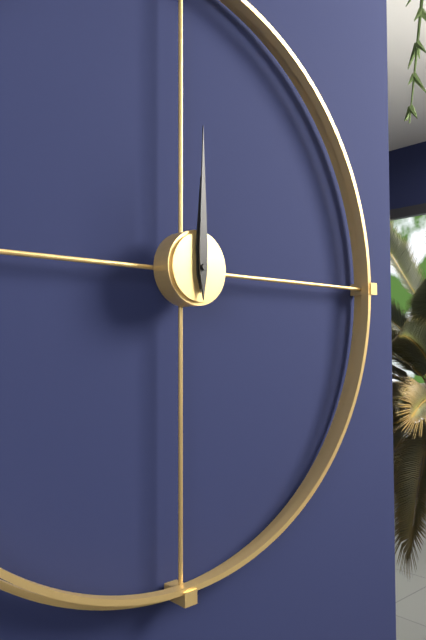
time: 12:00
